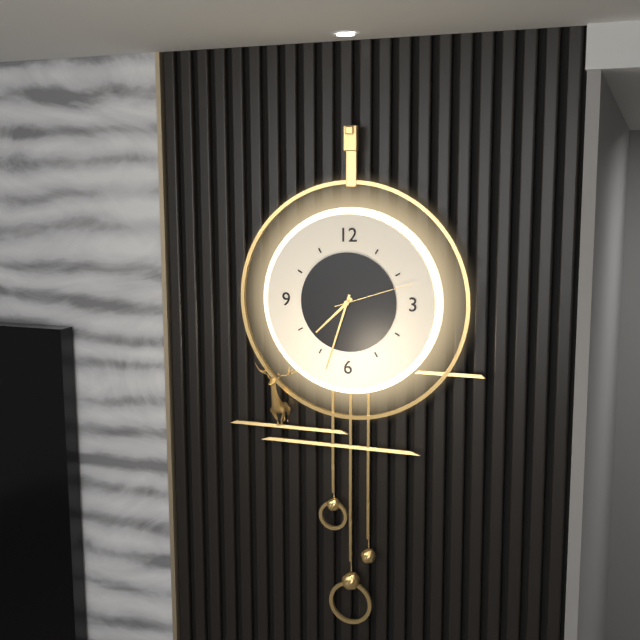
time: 7:33:12
